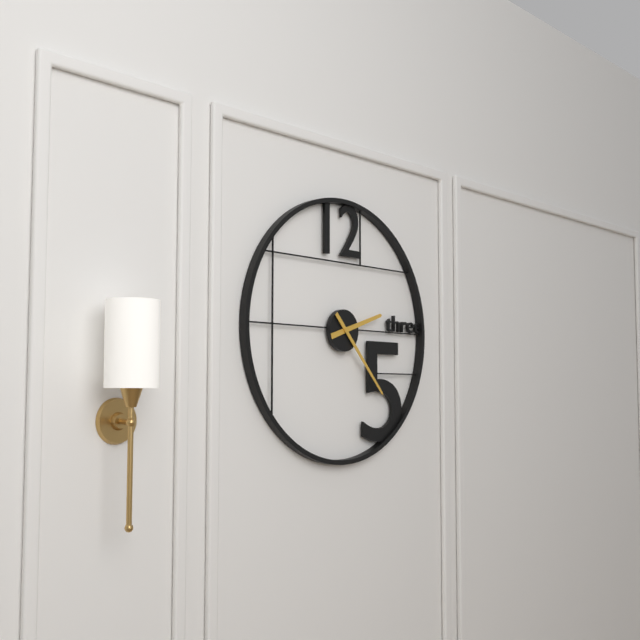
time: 2:23
